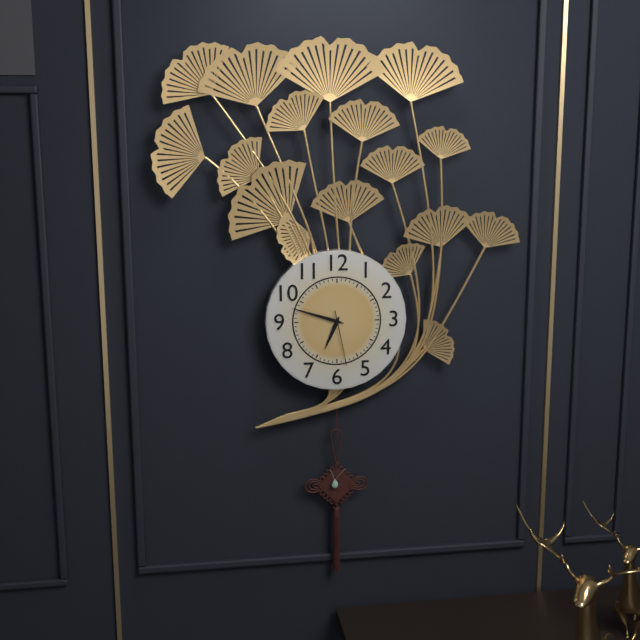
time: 6:48:28
